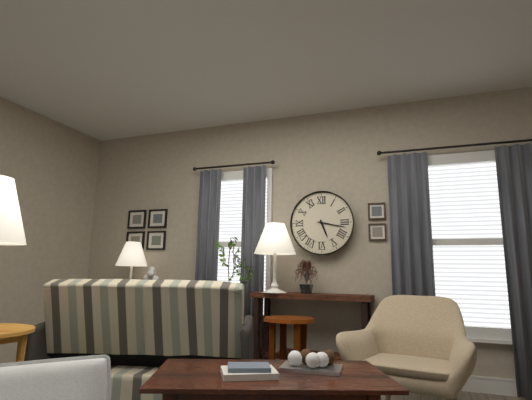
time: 5:17
